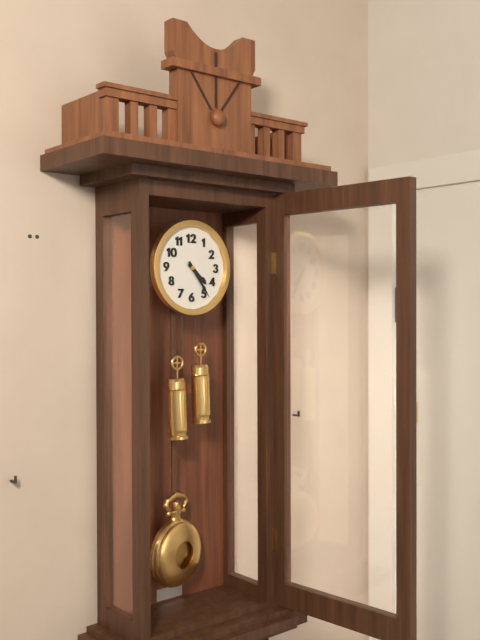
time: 4:24
